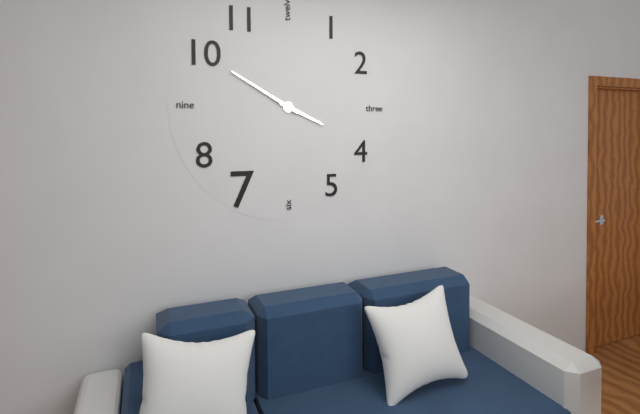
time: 3:50
